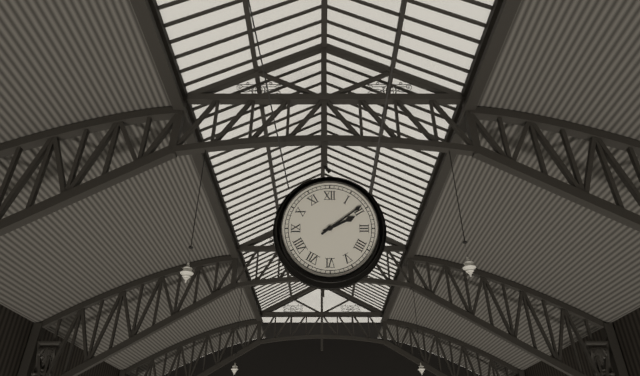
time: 2:09
